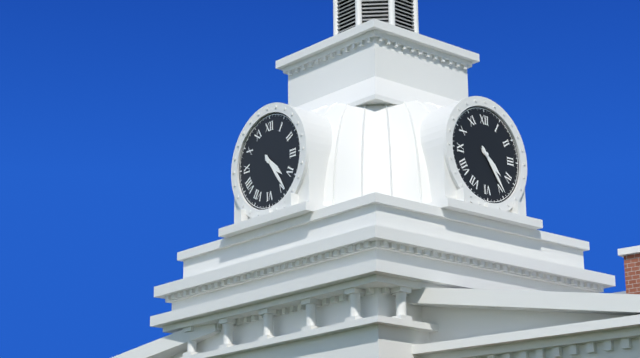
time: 4:24
